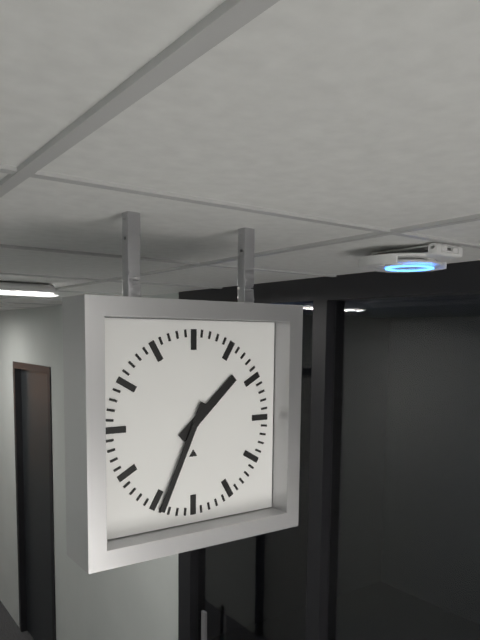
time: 1:34
